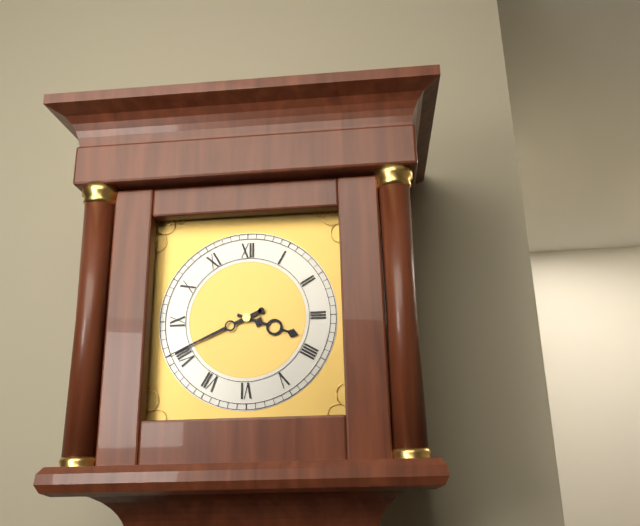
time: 3:41
